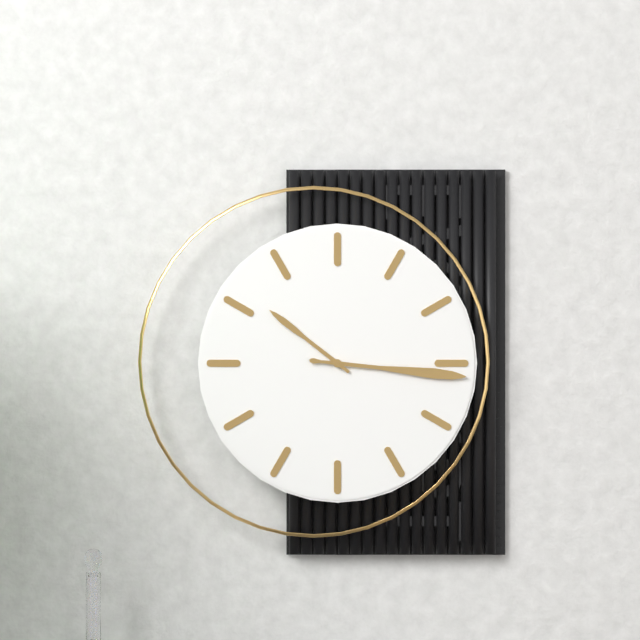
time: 10:16
